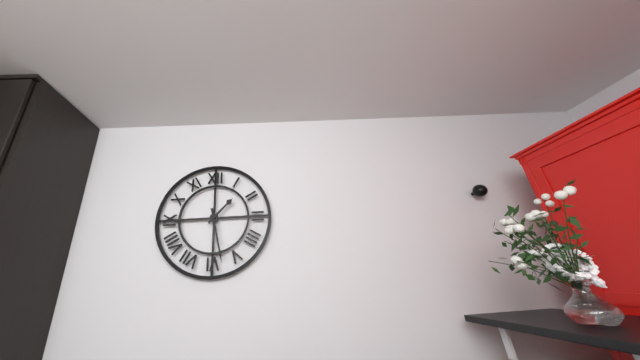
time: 1:28
